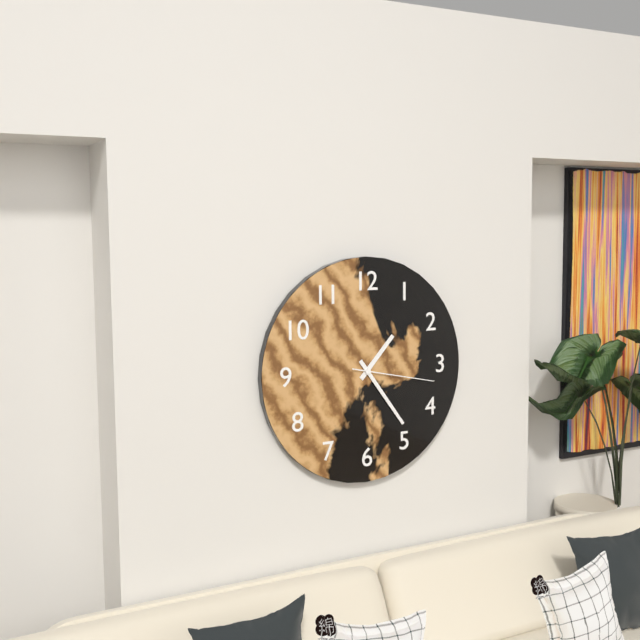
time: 1:24:17
